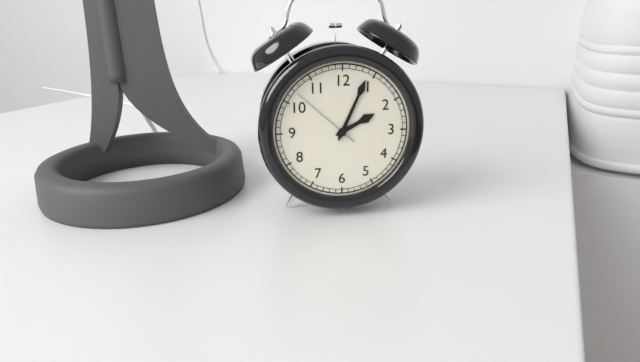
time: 2:04:52
